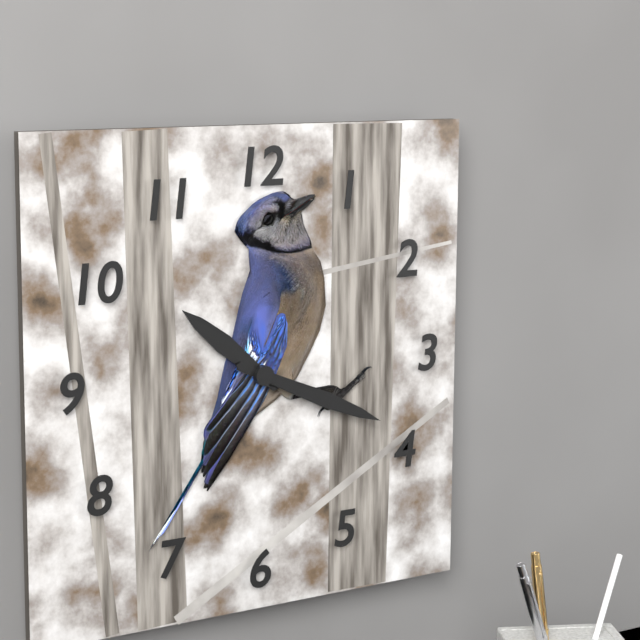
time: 10:19
